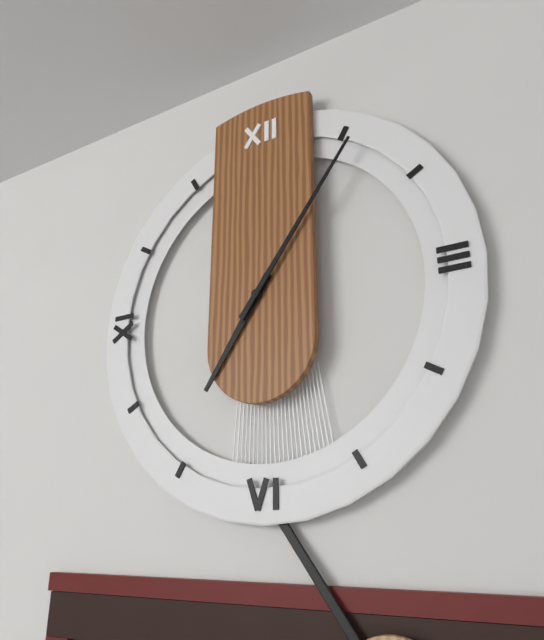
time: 7:06
